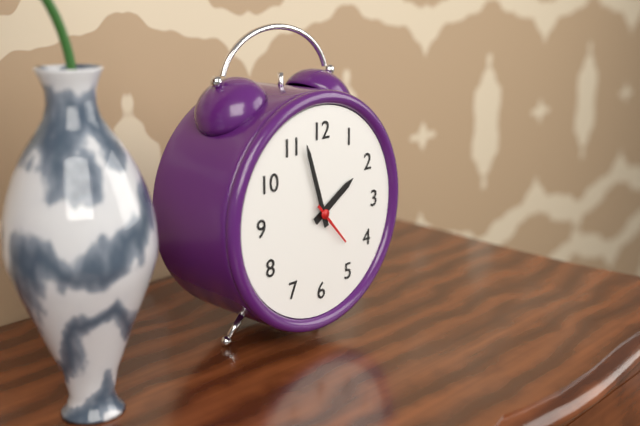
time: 1:57
